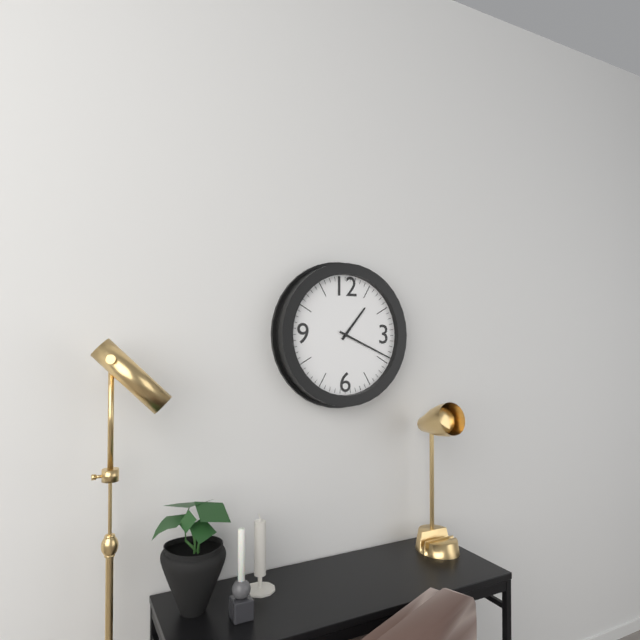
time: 1:19
